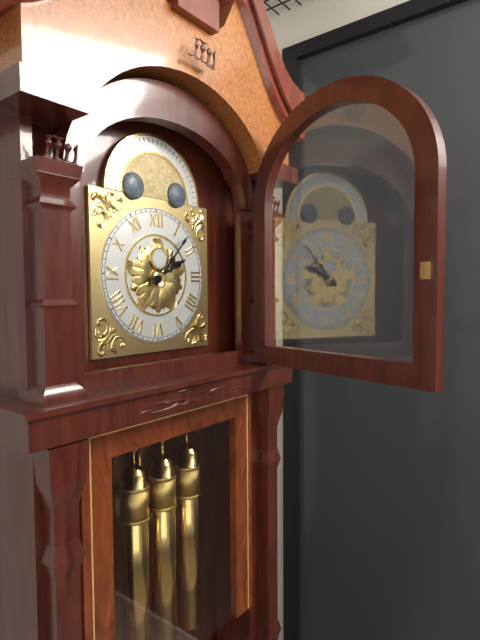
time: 2:07
